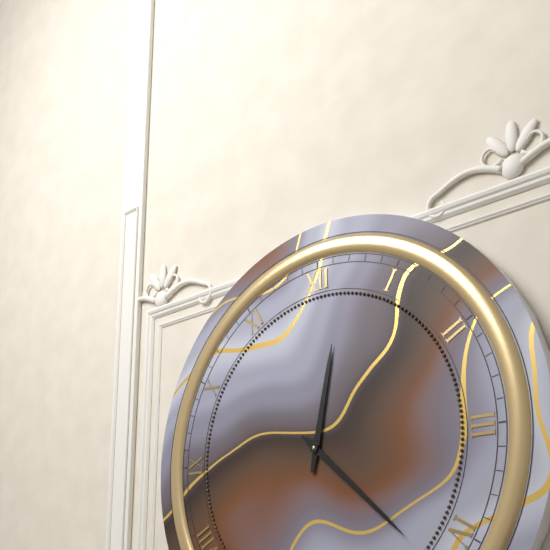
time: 12:22
